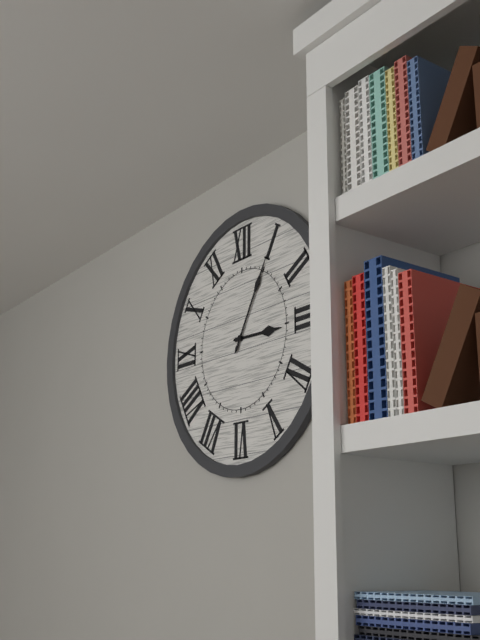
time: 3:05
